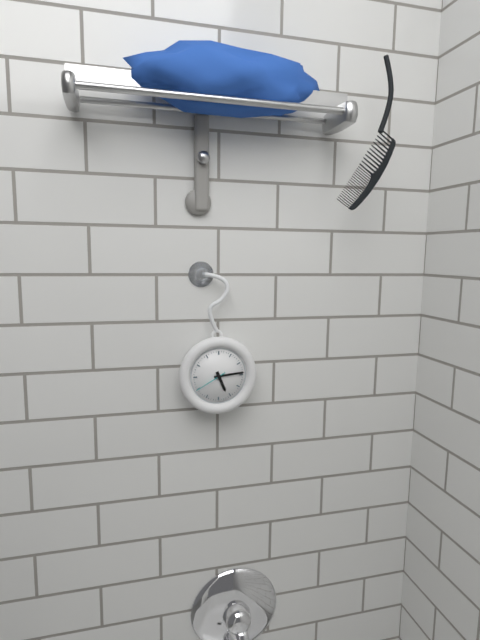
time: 5:14
